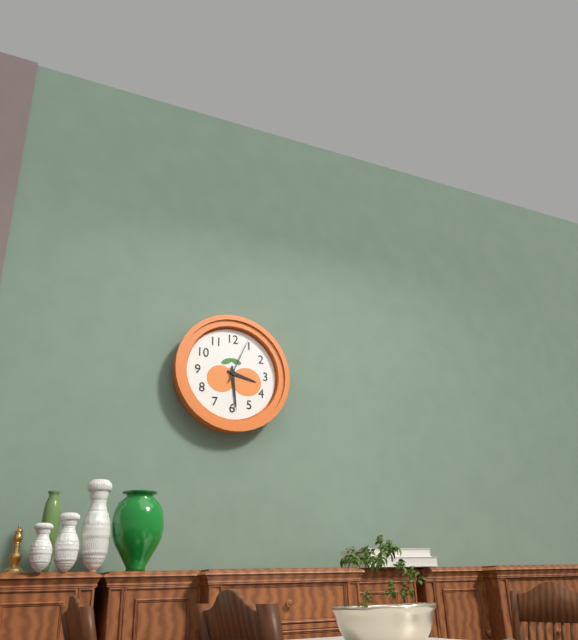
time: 3:29
